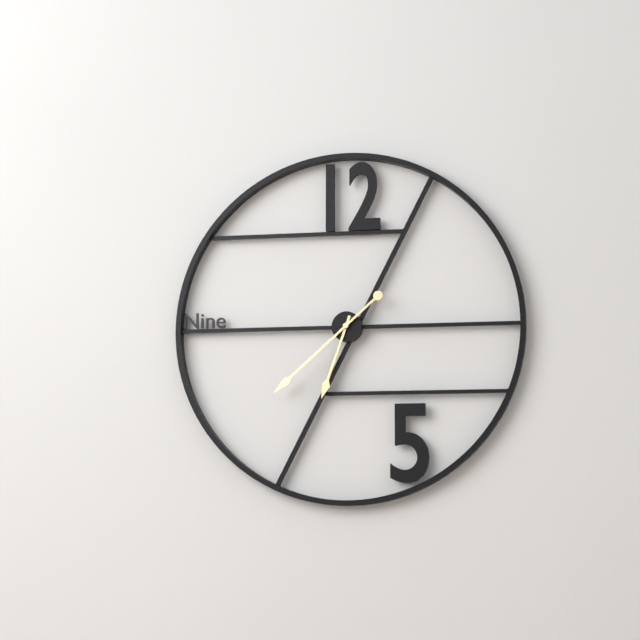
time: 6:38
